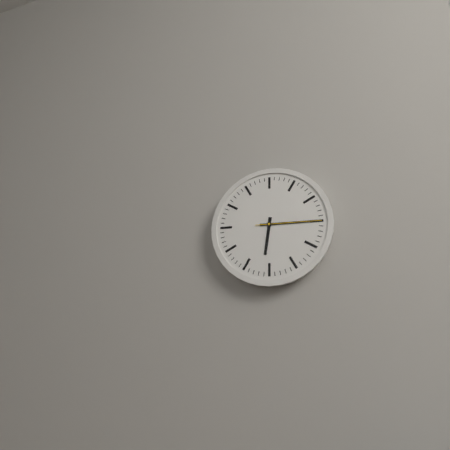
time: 6:15:15
